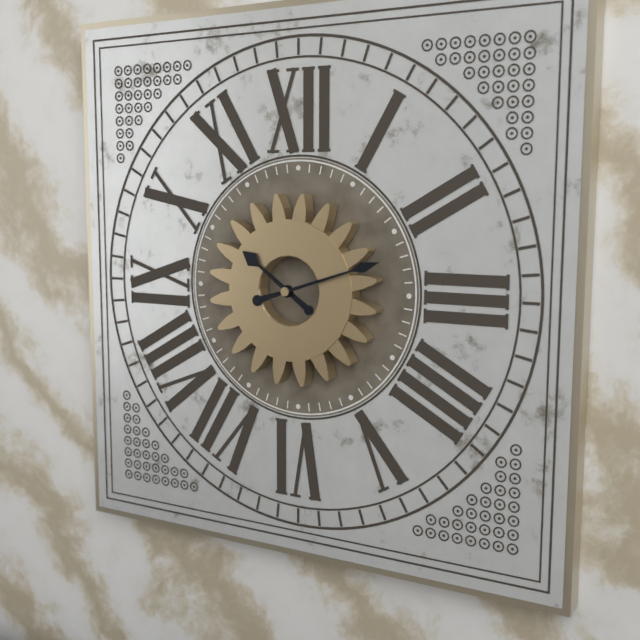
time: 10:12
